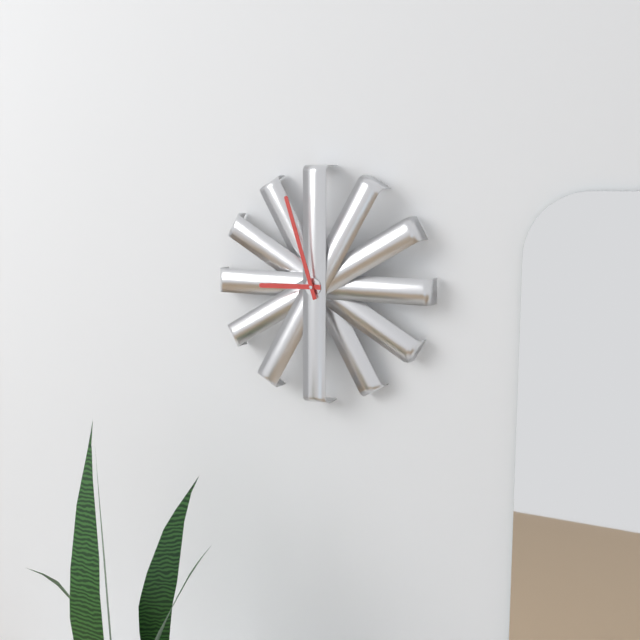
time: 8:57
